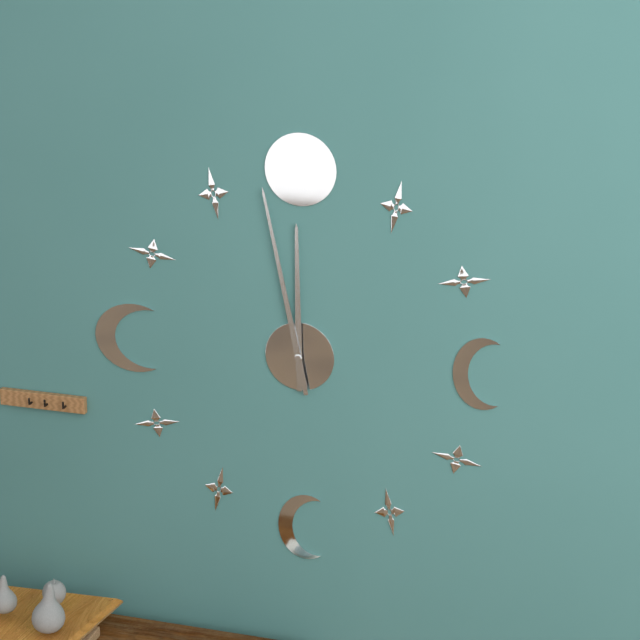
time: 11:58
